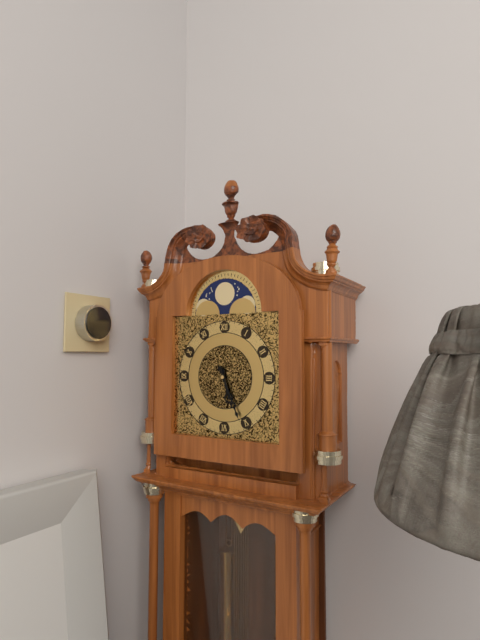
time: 5:26
